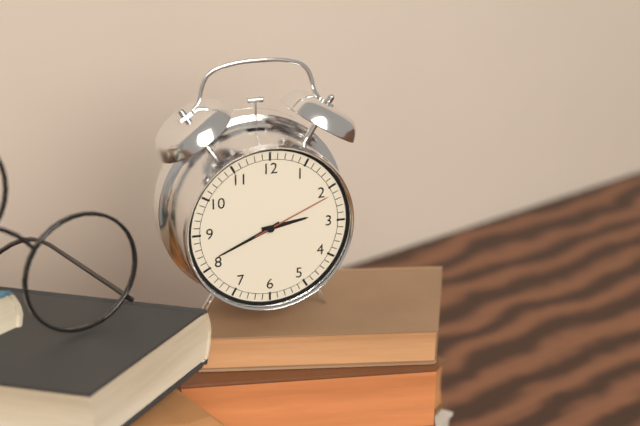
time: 2:41:11
